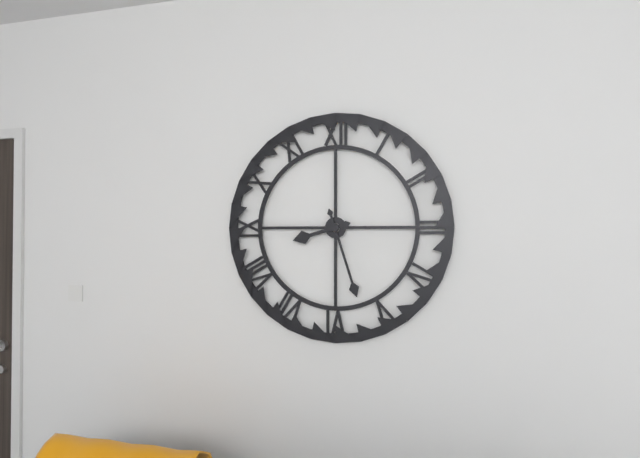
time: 8:27
